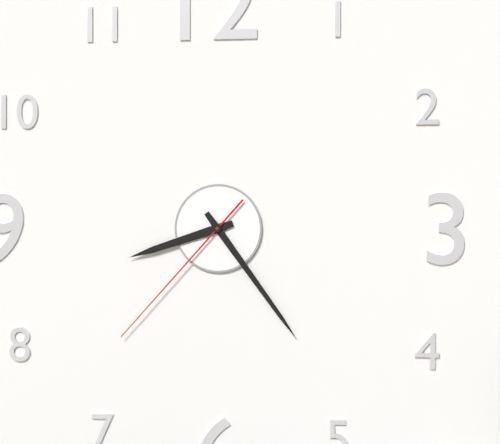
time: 8:24:37
